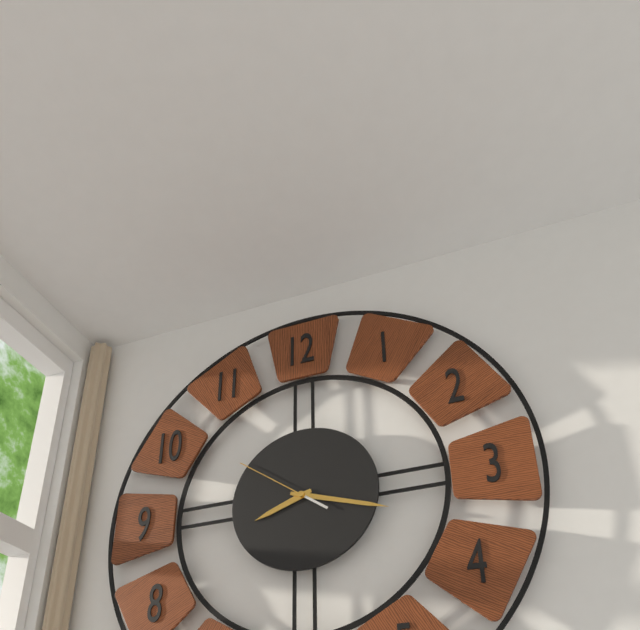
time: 8:18:51
